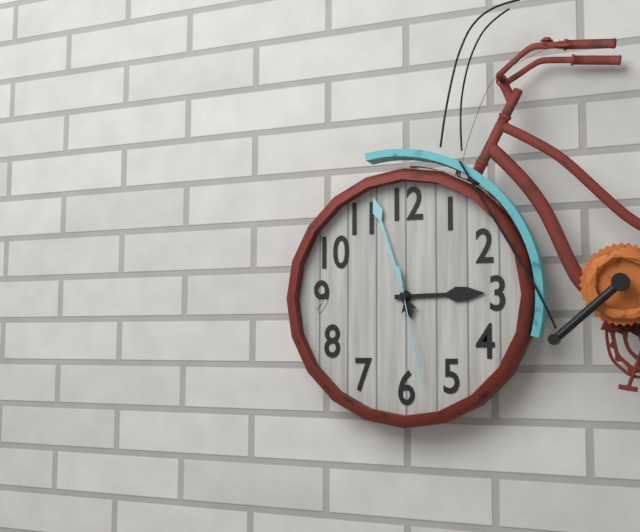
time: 2:57:28
